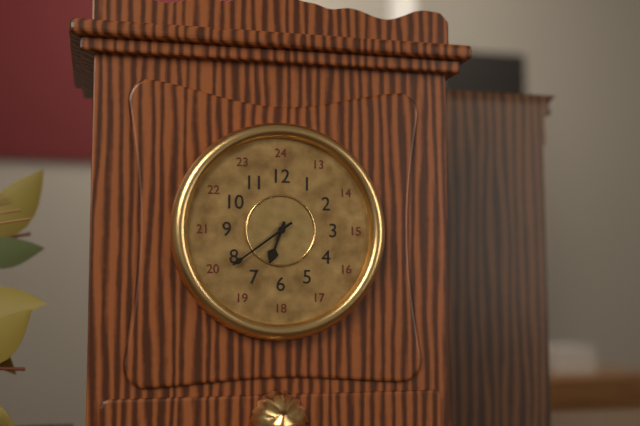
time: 6:39
